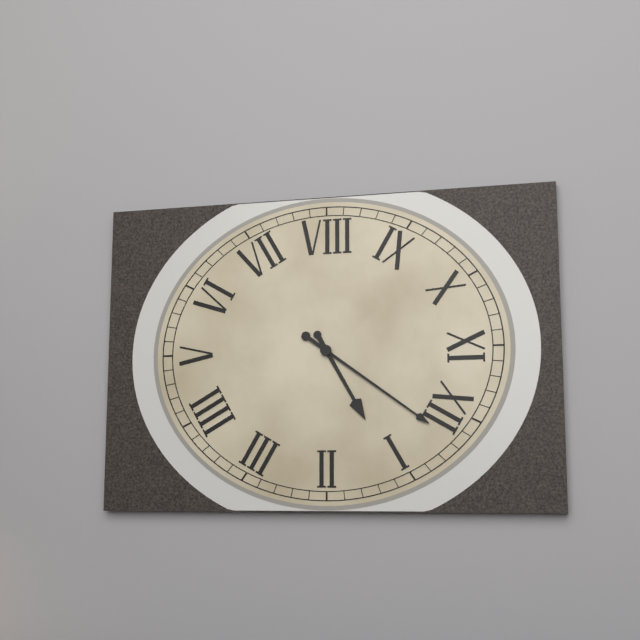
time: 1:01
